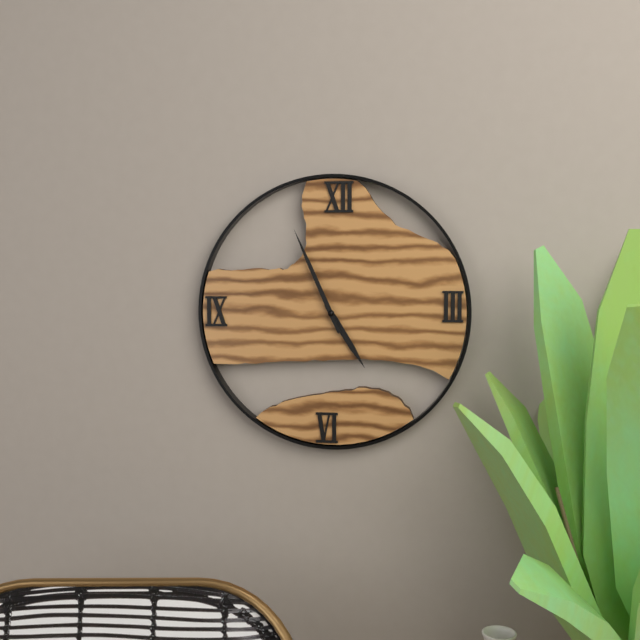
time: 4:56
